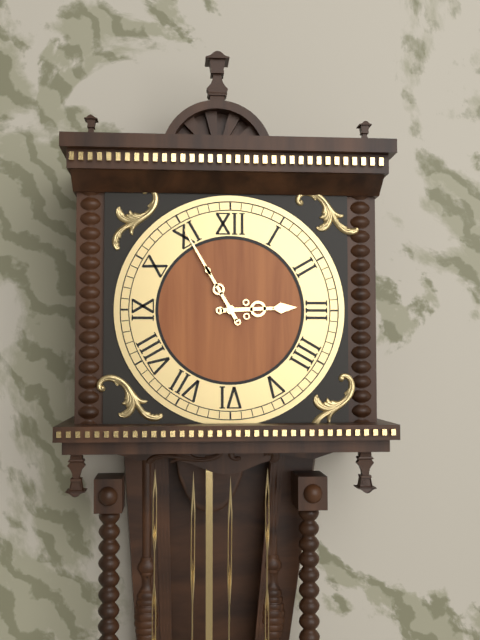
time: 2:55
